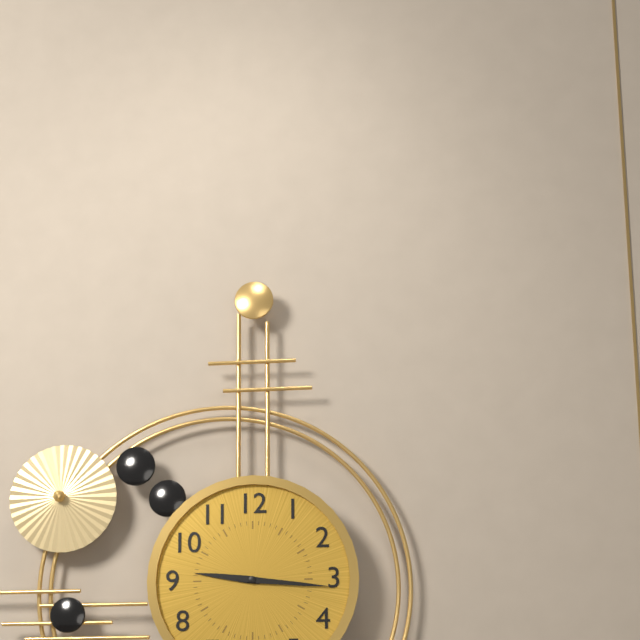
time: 9:16
